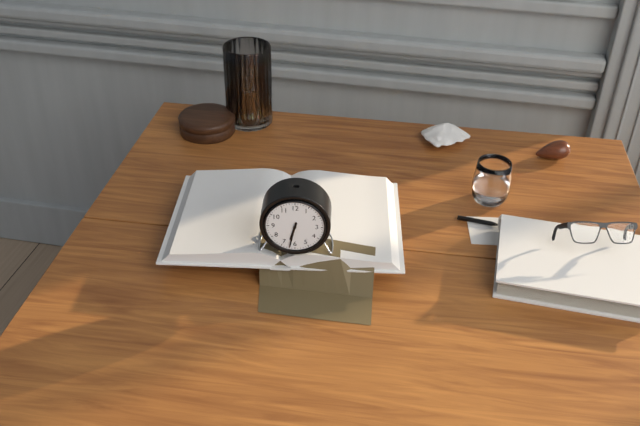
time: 6:32
